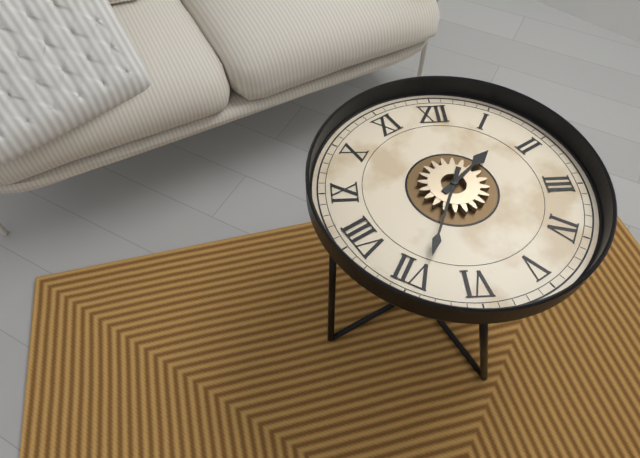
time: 1:34
